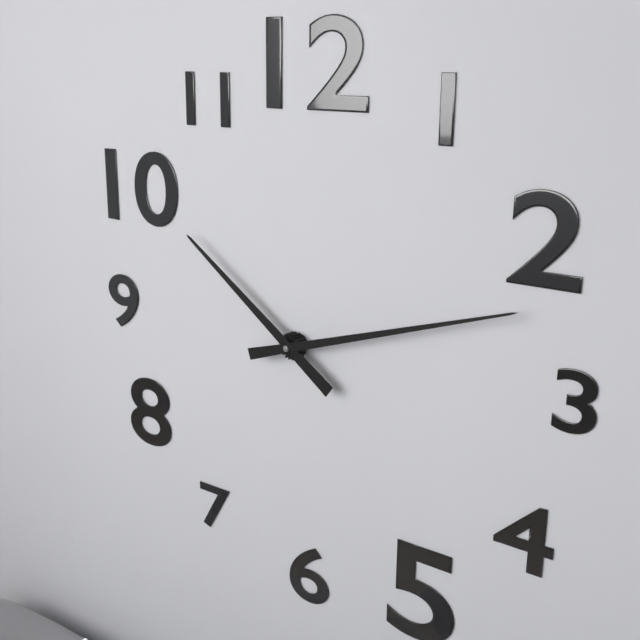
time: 10:12
